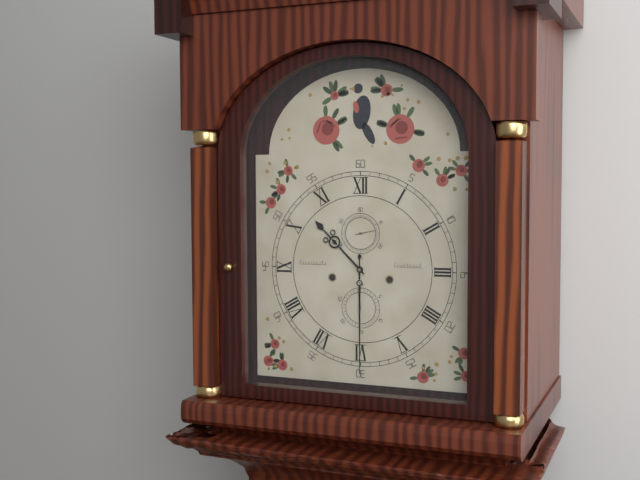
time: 10:30
